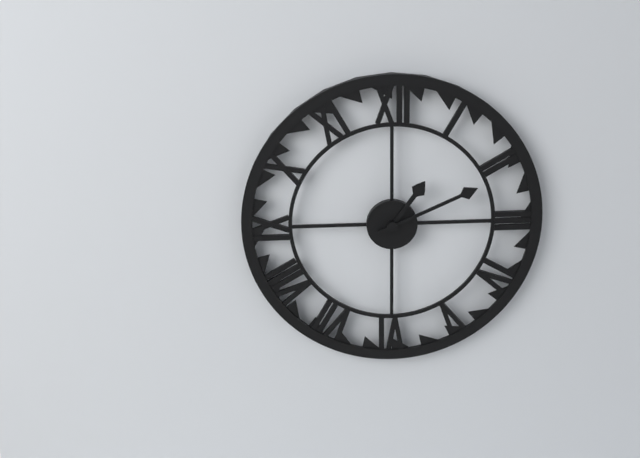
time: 1:11
